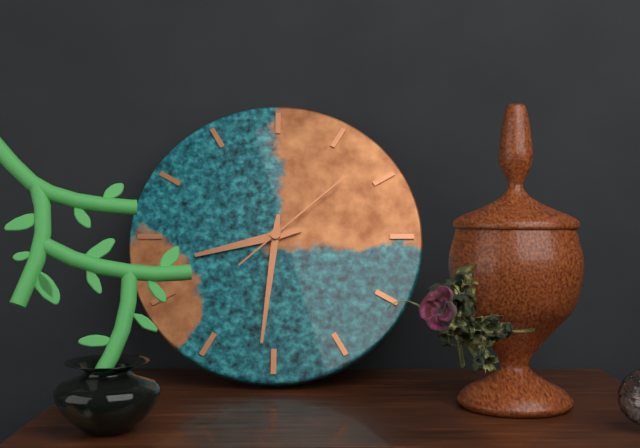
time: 8:31:08
